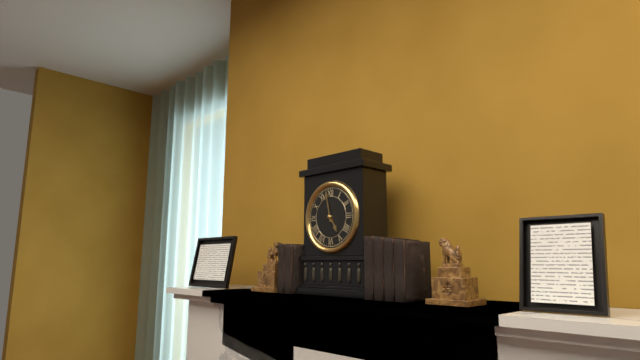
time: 4:58
